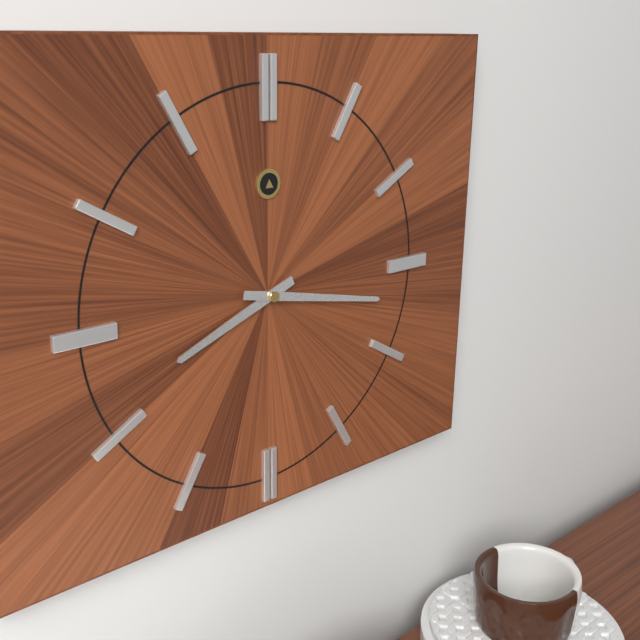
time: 8:17
